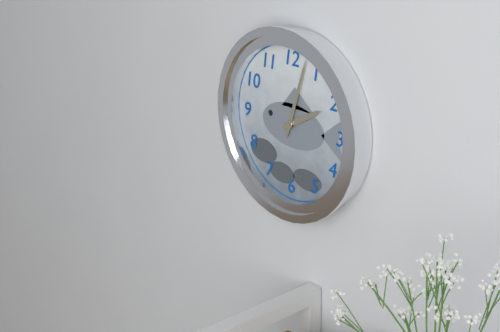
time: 2:03
